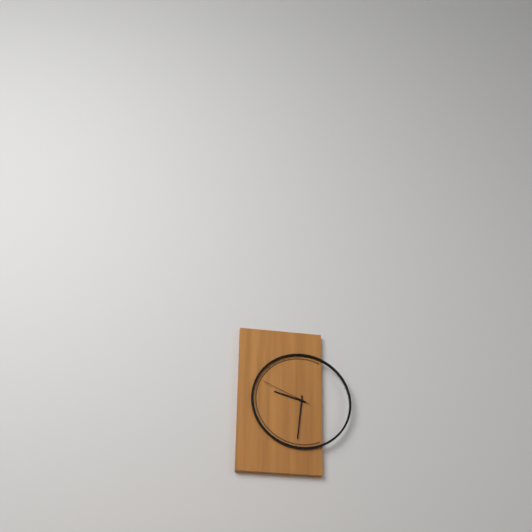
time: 9:31:49
